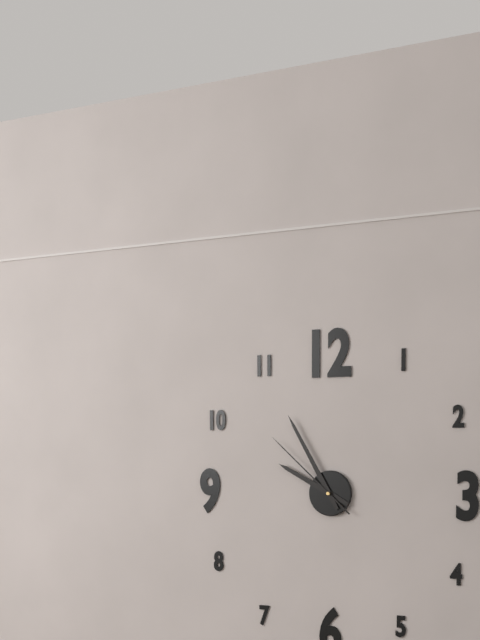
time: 9:55:52
